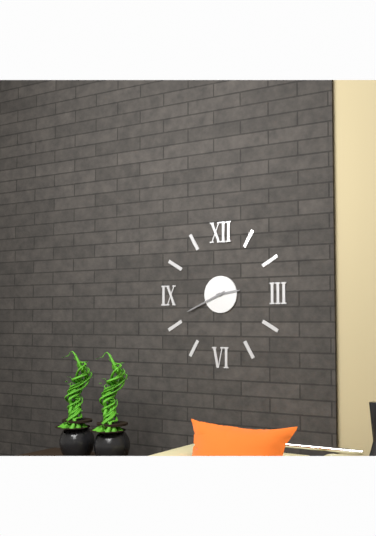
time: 2:41
